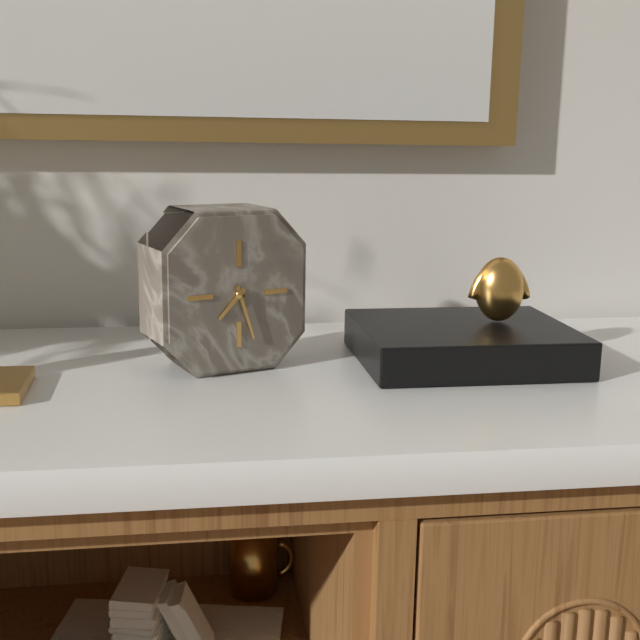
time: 7:27
